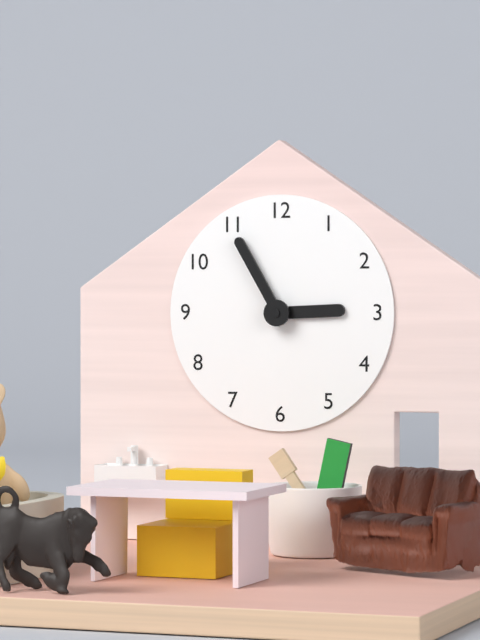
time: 2:55
